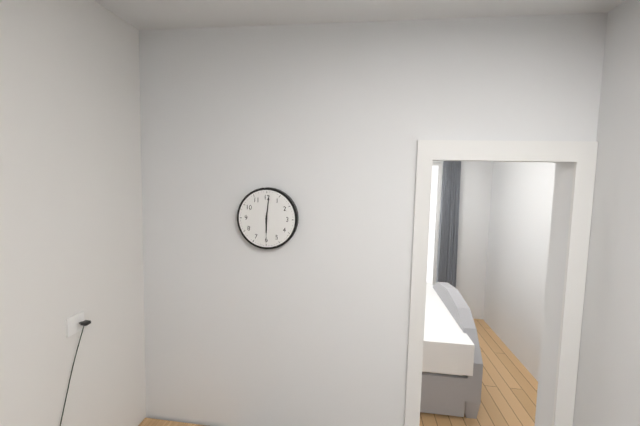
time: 6:01
